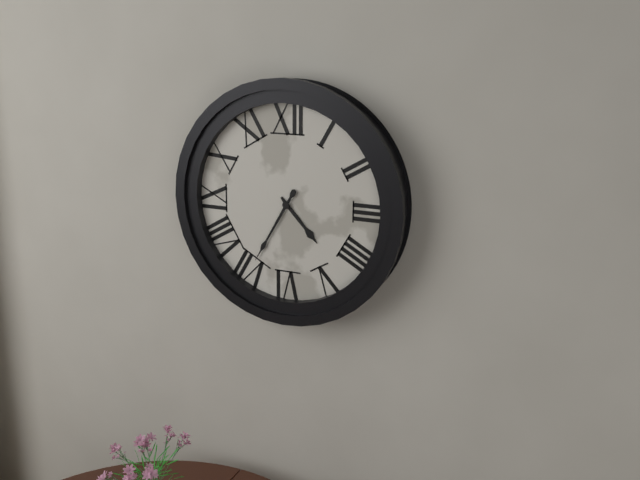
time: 4:35
